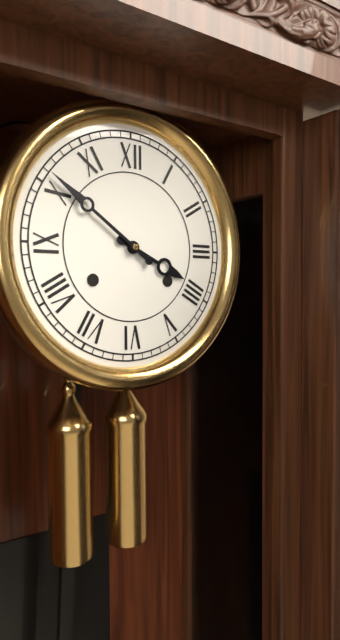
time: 3:51
